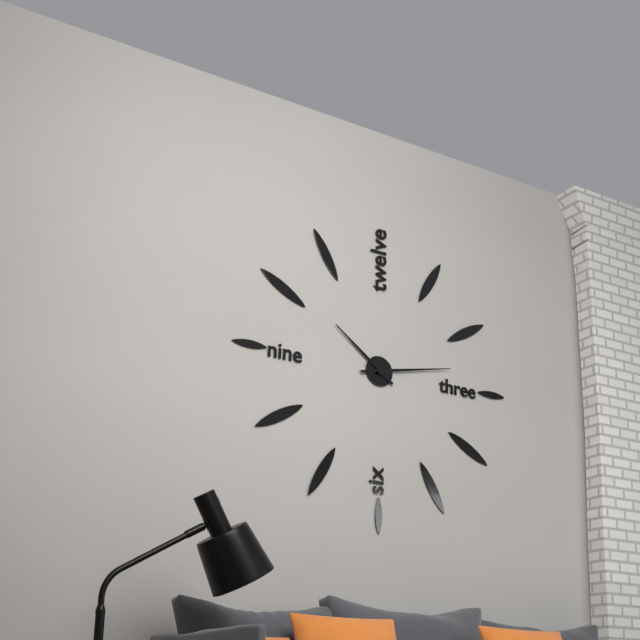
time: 10:13
